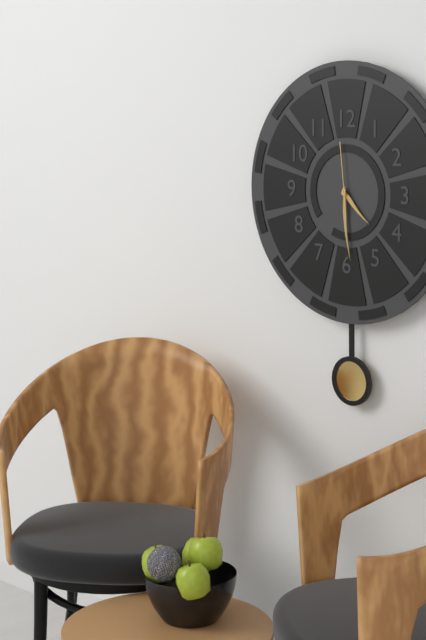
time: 4:29:59
